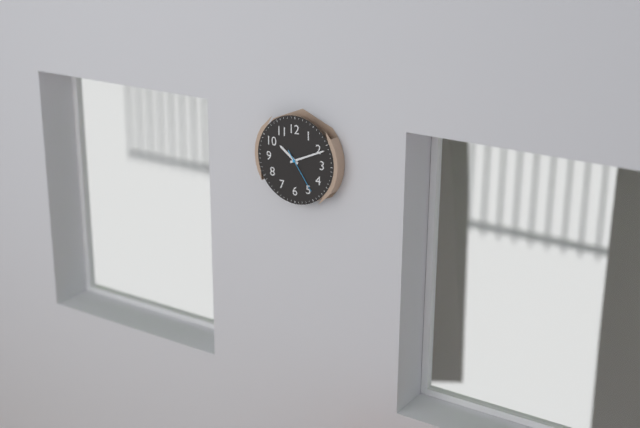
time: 10:11
